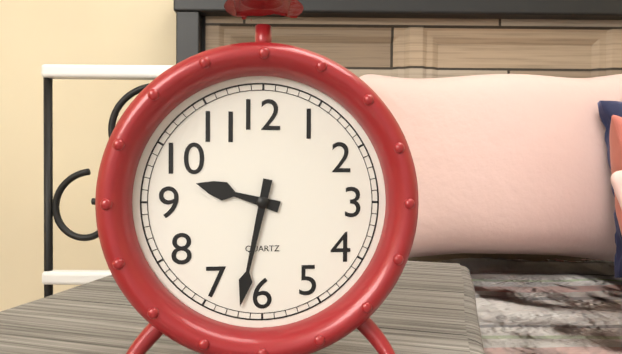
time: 9:32
